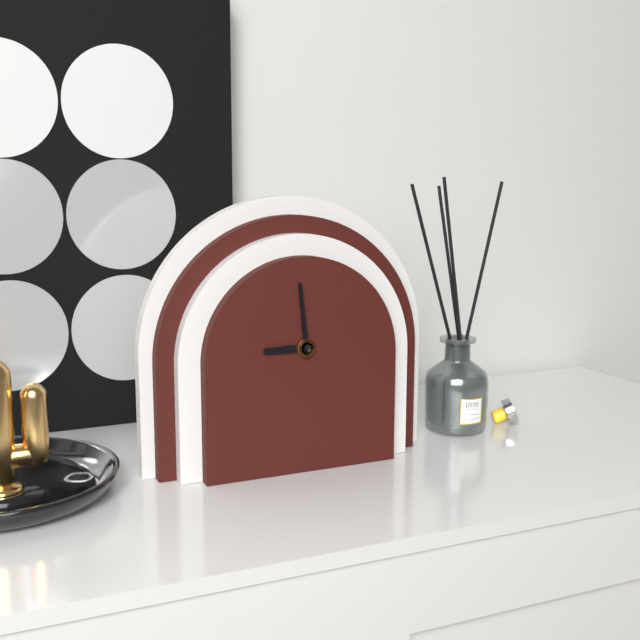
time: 8:59
